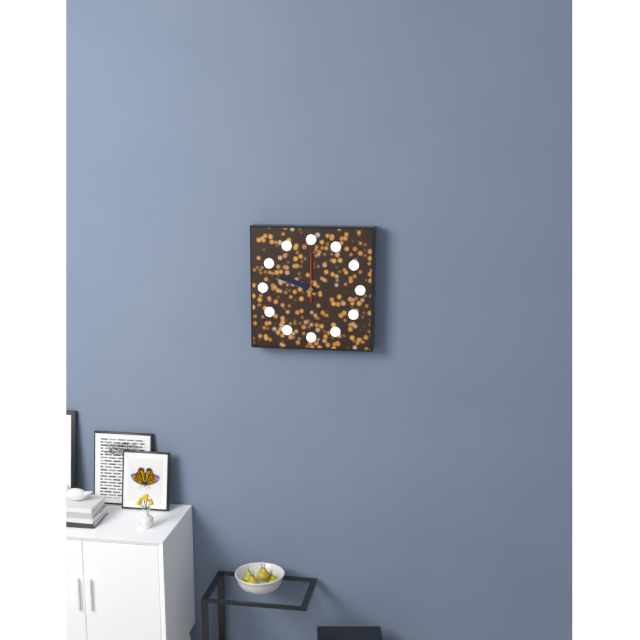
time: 9:48
